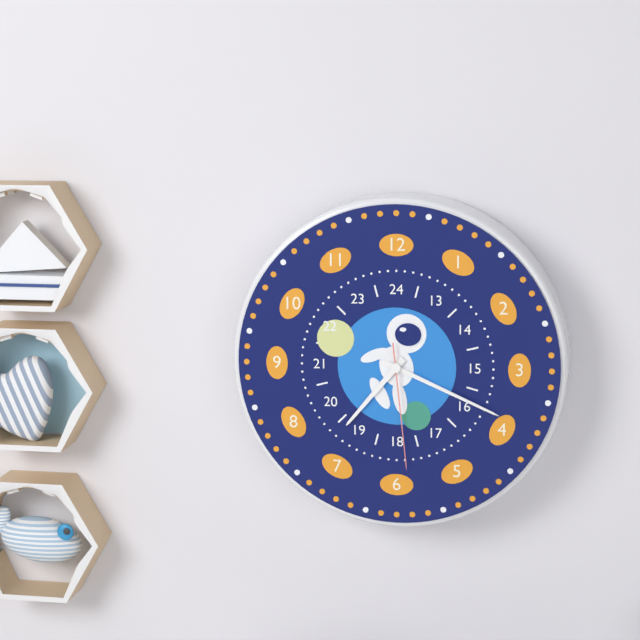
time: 7:19:29
